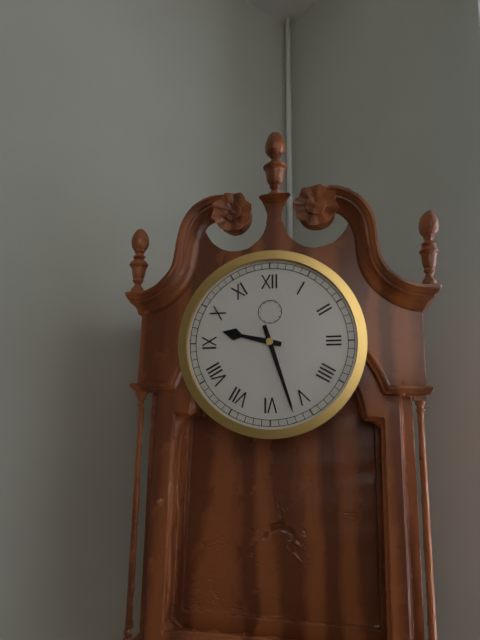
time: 9:27
